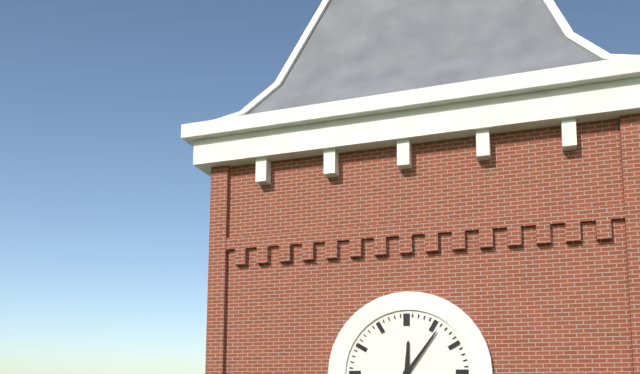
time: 12:06
